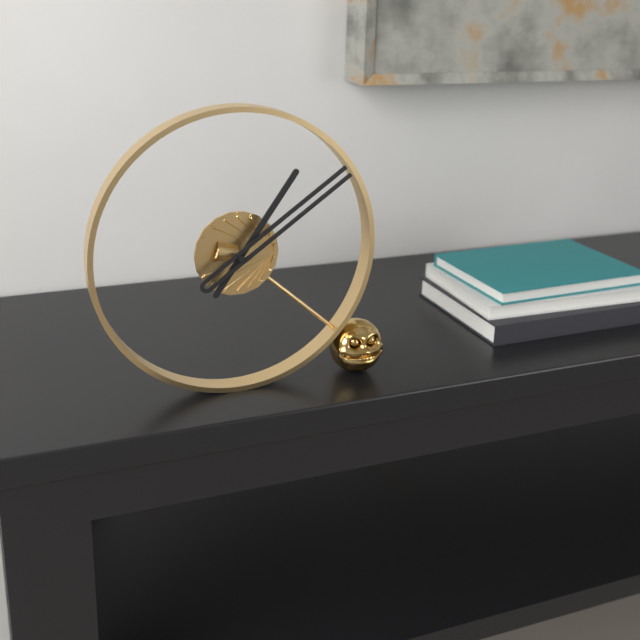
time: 1:09
